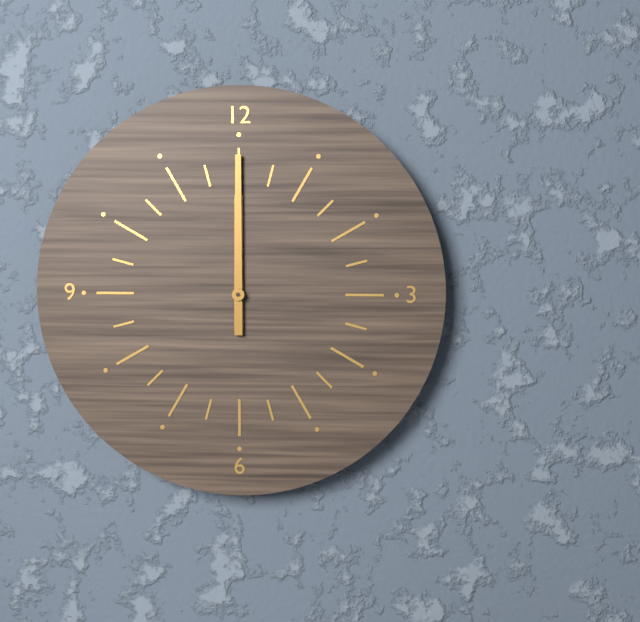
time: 12:00
